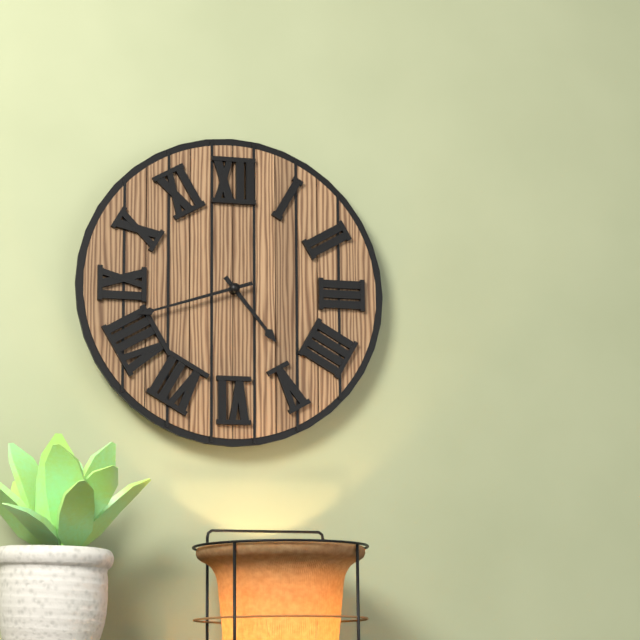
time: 4:42
